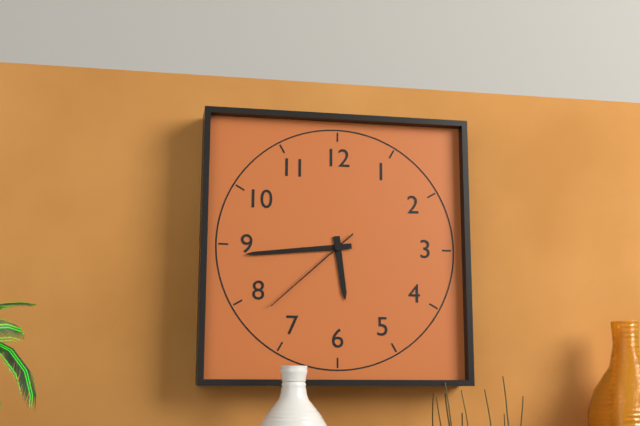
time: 5:44:38
